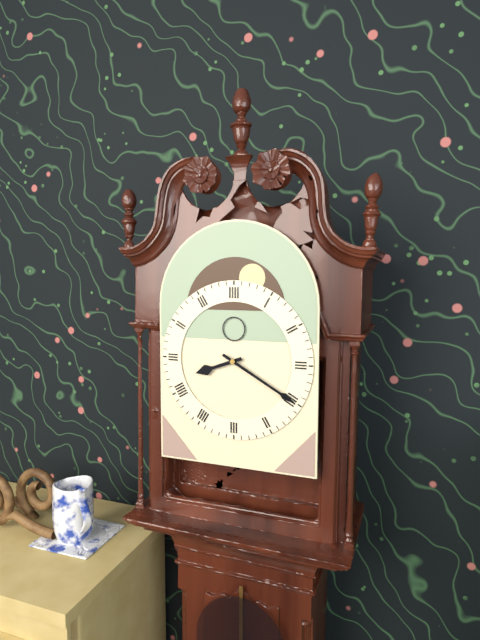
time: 8:20
